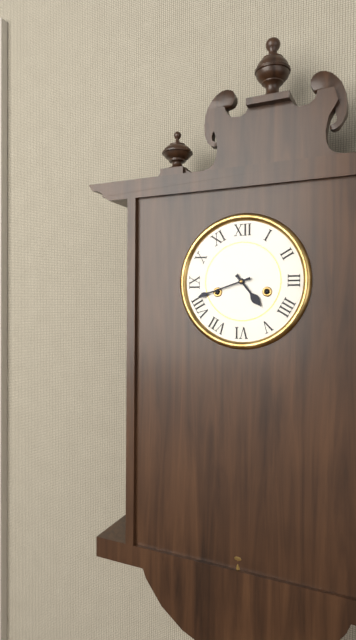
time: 4:42
